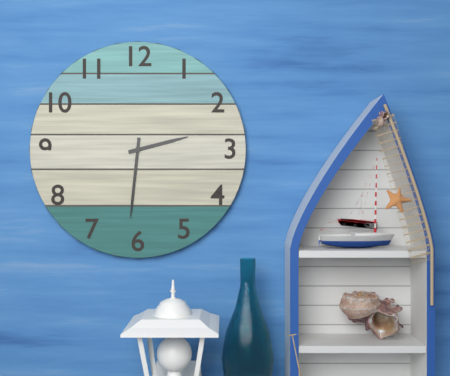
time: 2:31
